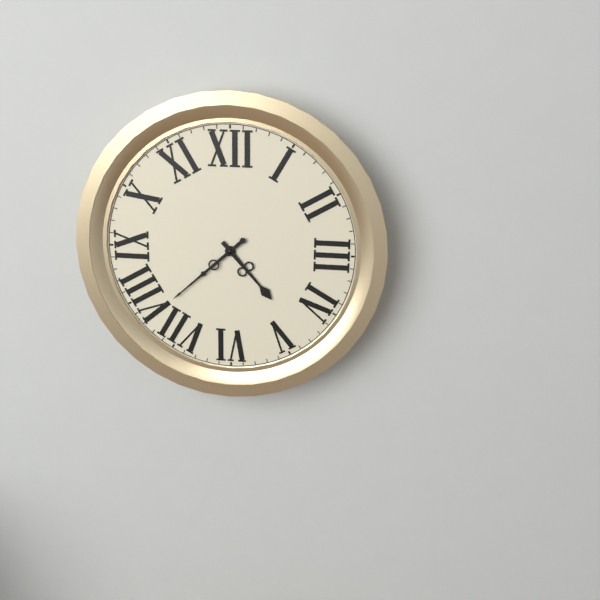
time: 4:38
